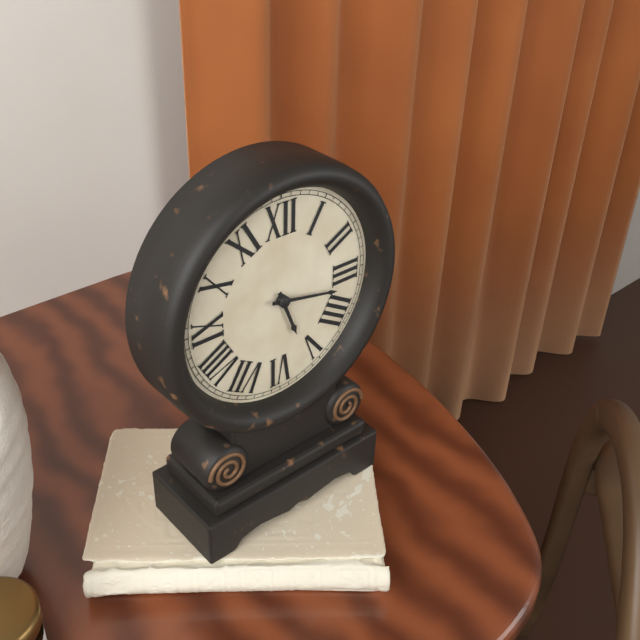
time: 5:17
